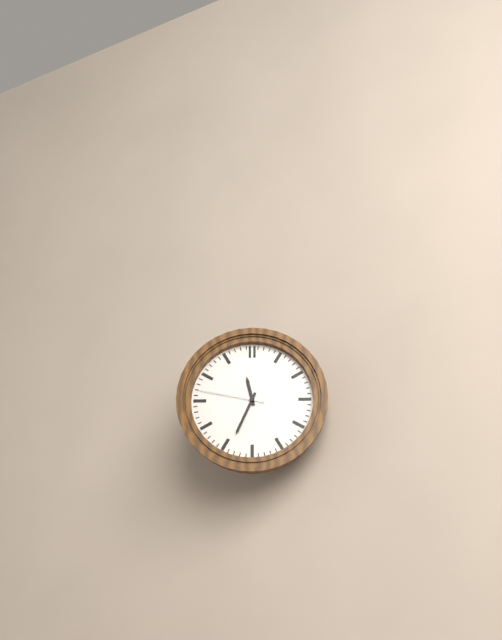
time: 11:34:47
